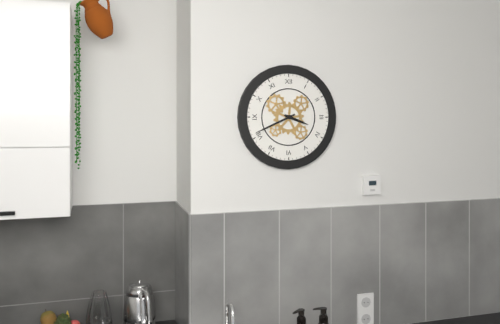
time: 3:41
